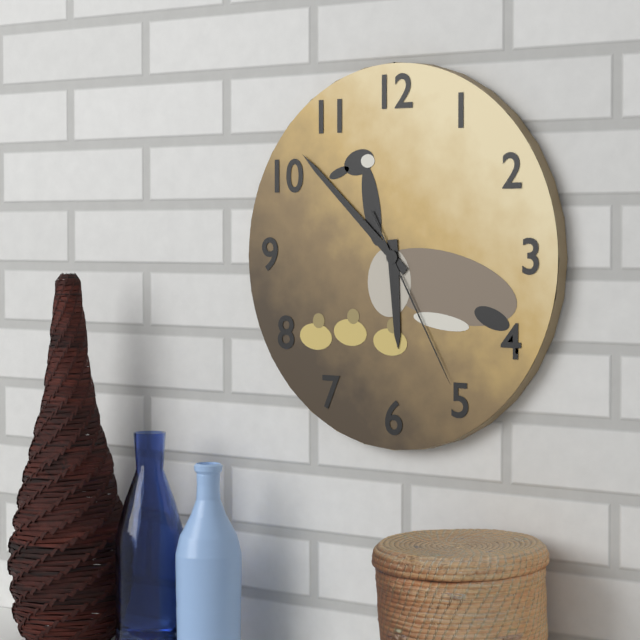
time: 5:52:25
